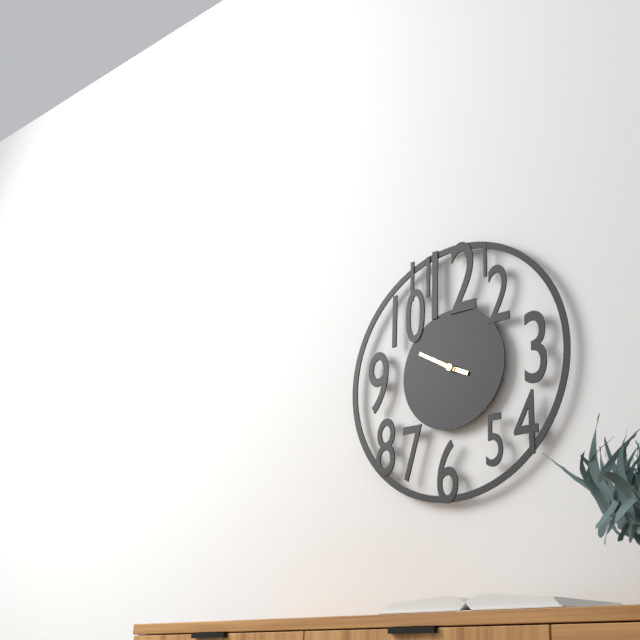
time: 3:50
